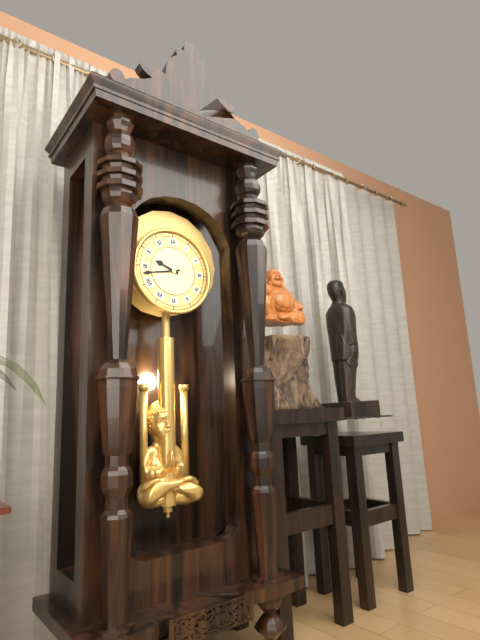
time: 9:43
